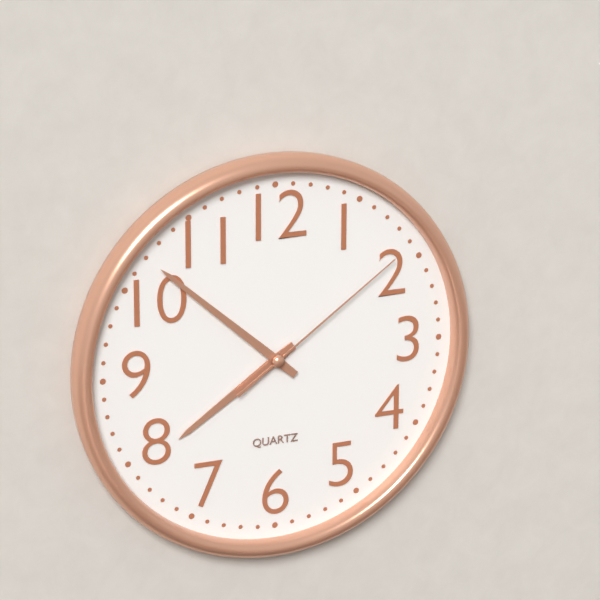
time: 7:52:09
